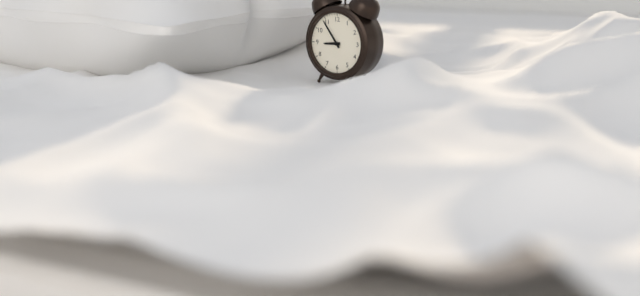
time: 8:54
